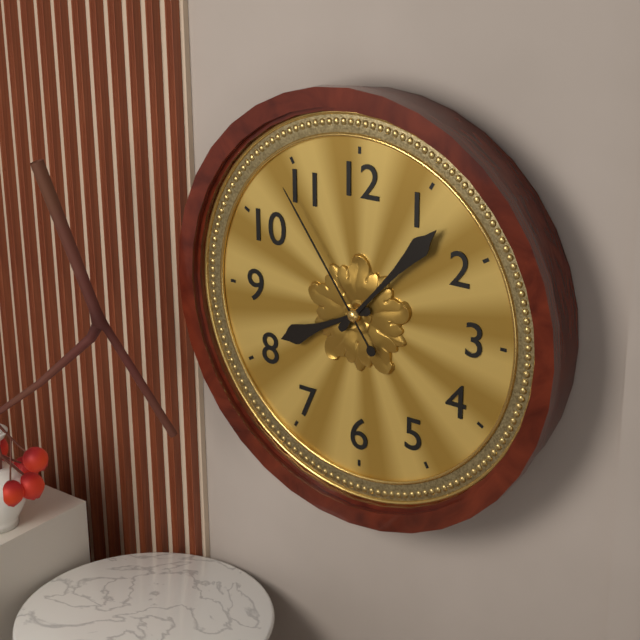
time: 8:07:54
